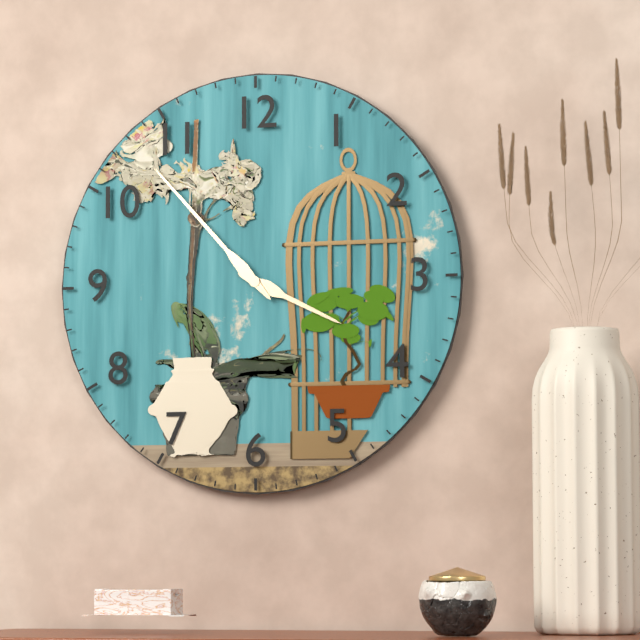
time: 3:53
